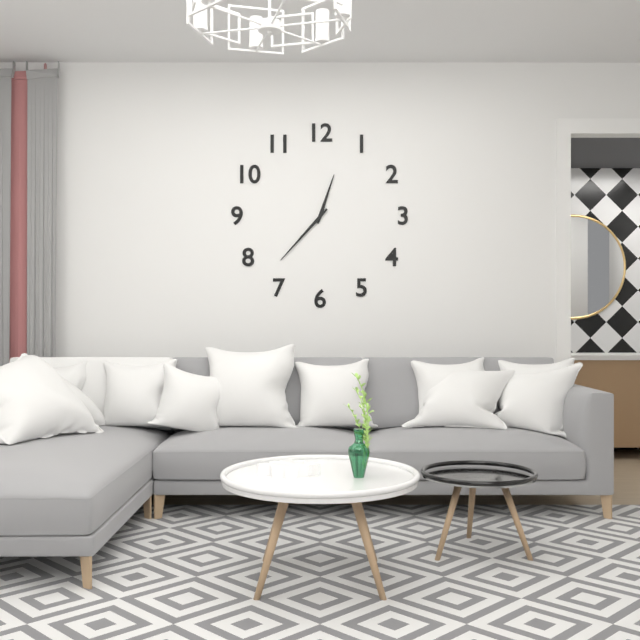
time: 12:37
